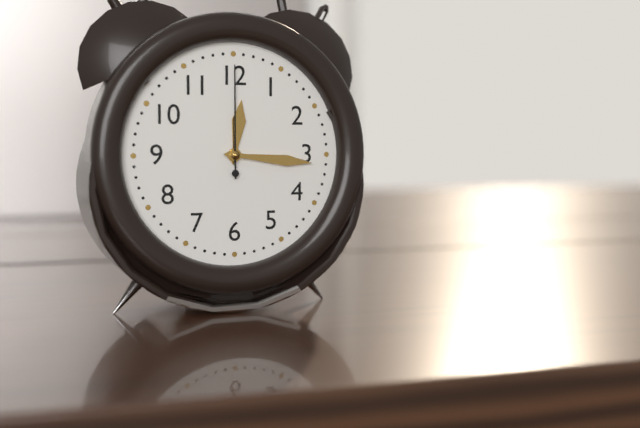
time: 12:16:00
